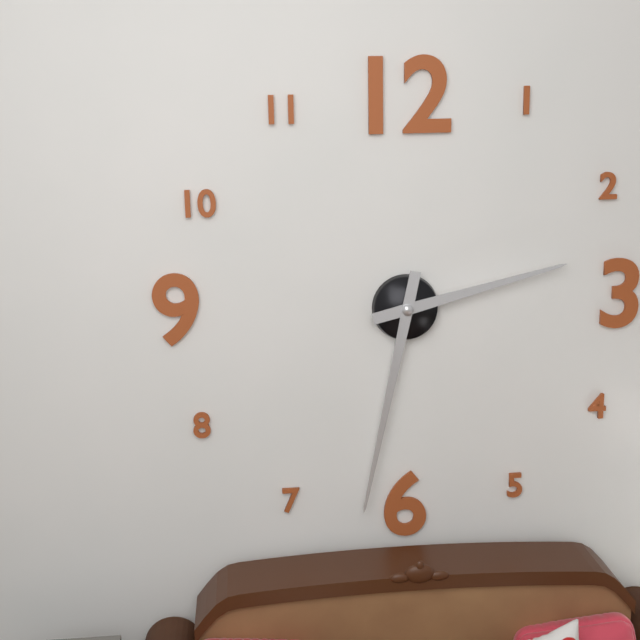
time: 2:32
